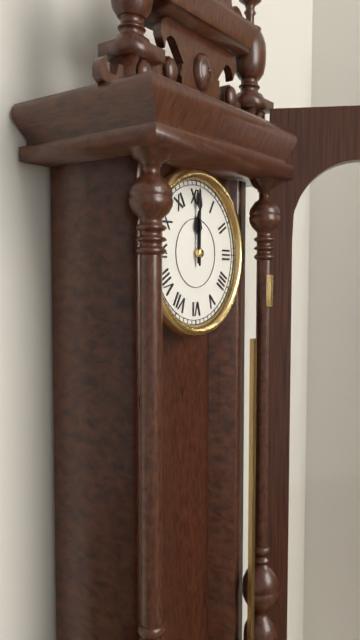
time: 12:00
